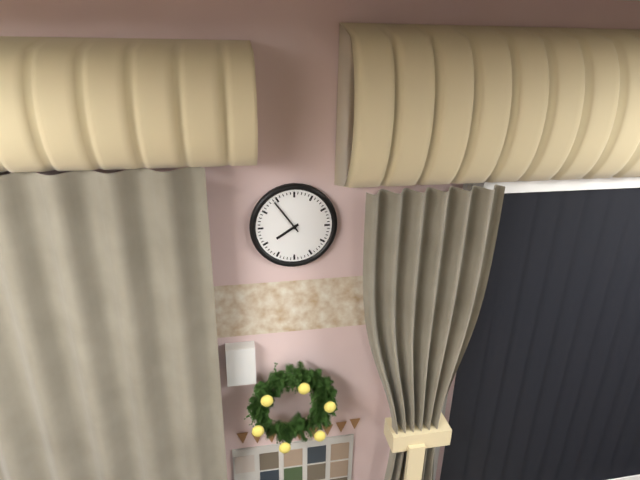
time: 7:54
